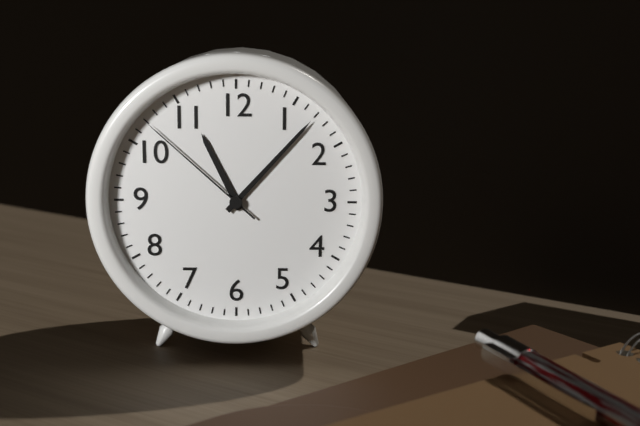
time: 11:07:52
